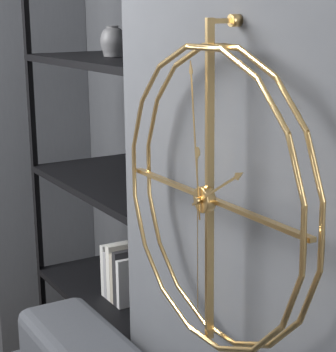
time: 1:59:30
